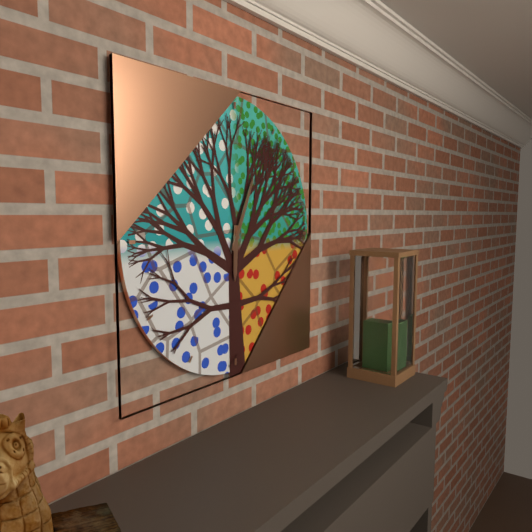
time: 6:04
